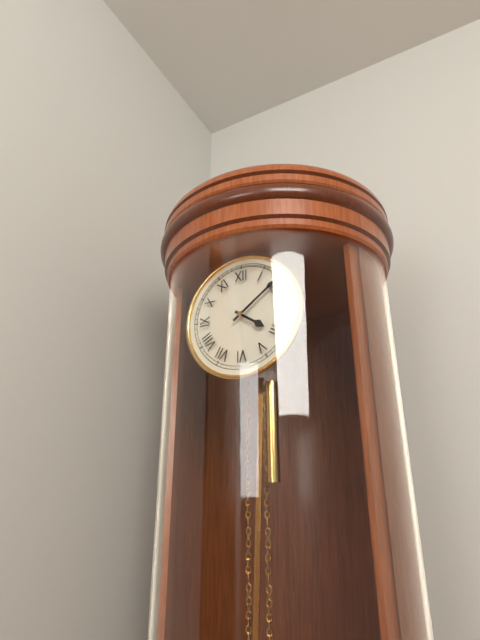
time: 4:09
